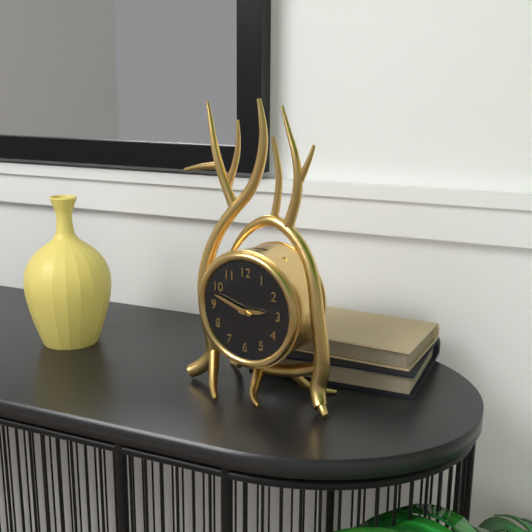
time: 2:48
